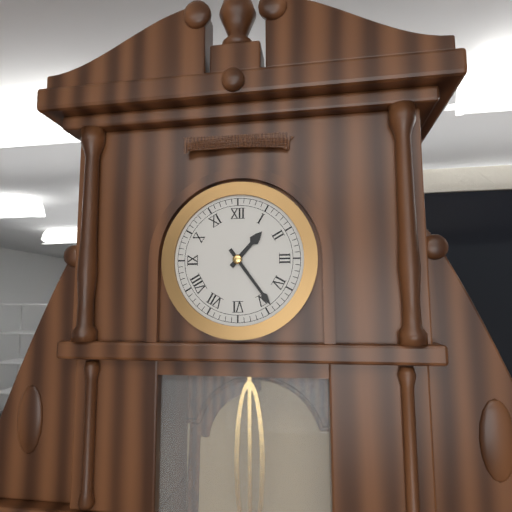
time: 1:24
